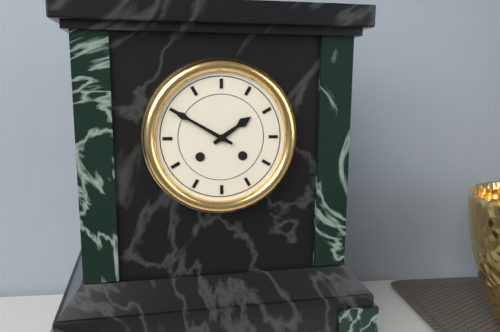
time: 1:50
